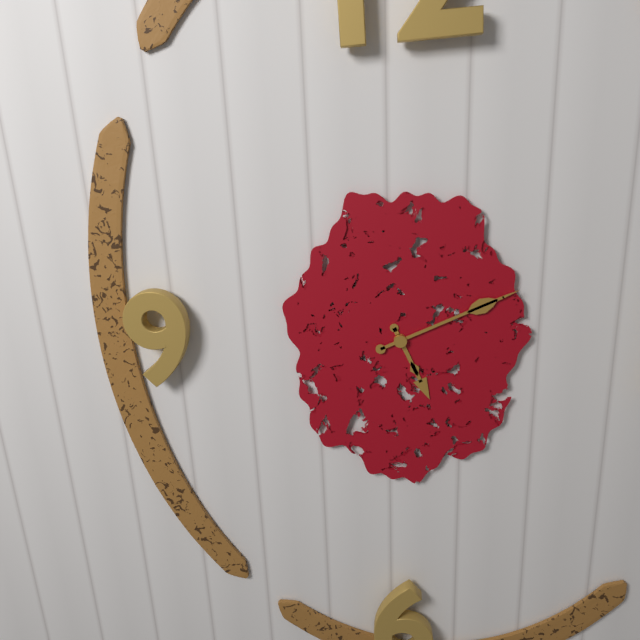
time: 5:11
